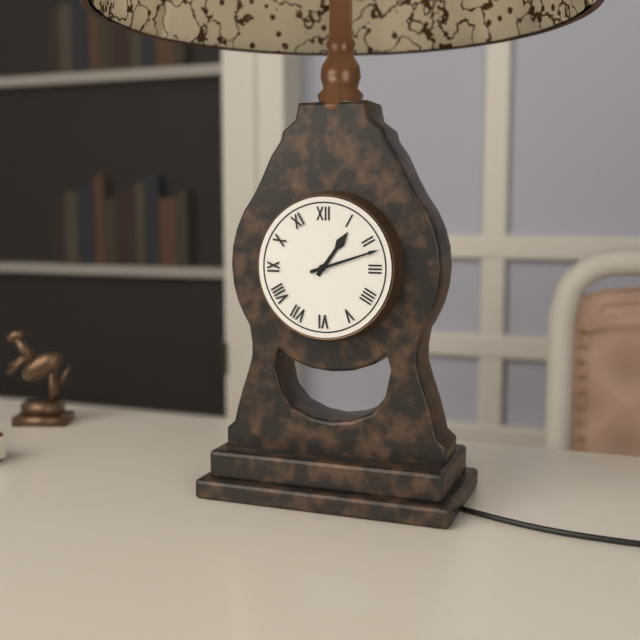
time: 1:12
